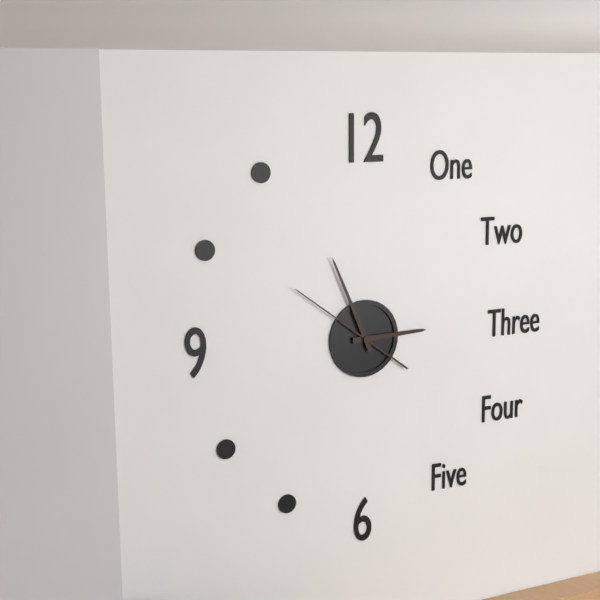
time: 2:56:51
